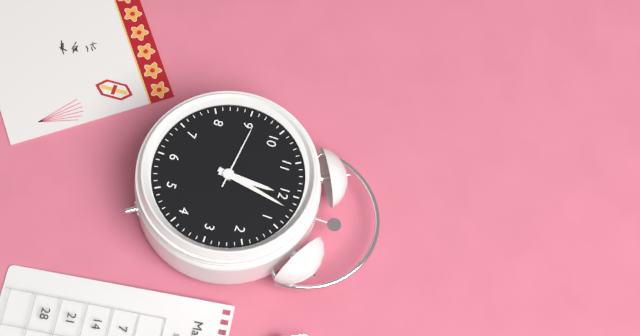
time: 12:02:46
